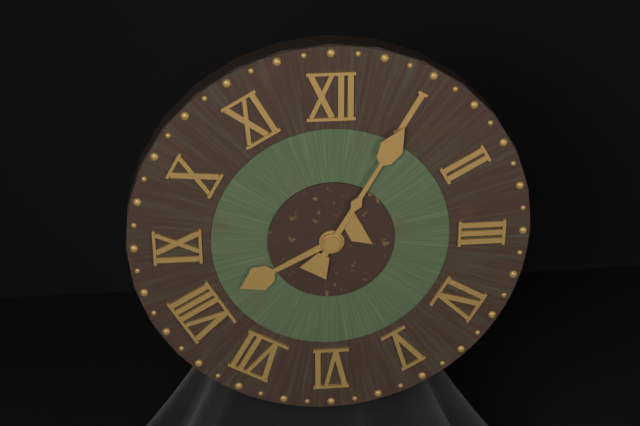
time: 8:05
